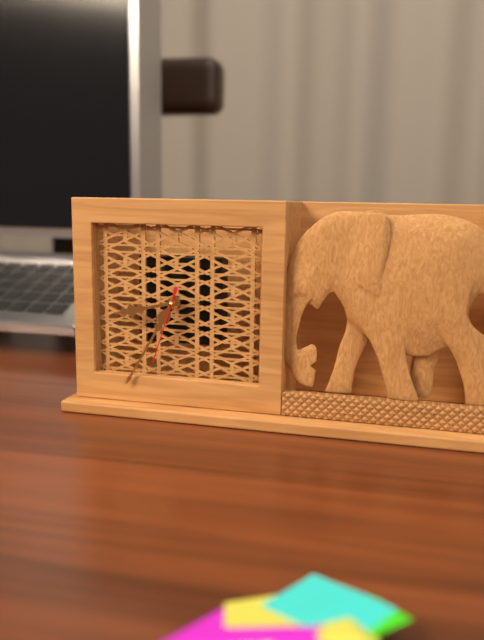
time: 8:35:33
